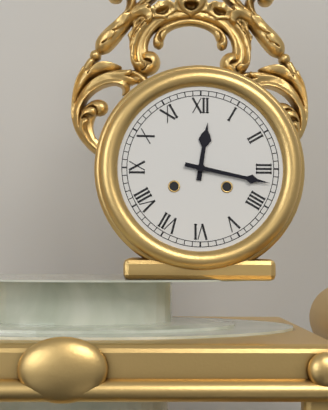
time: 12:17
